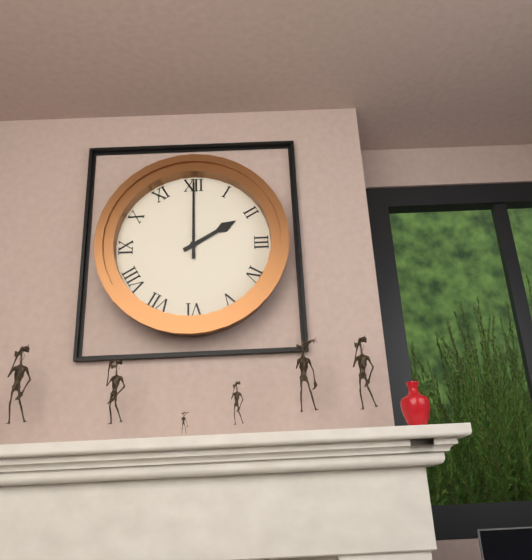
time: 2:00
